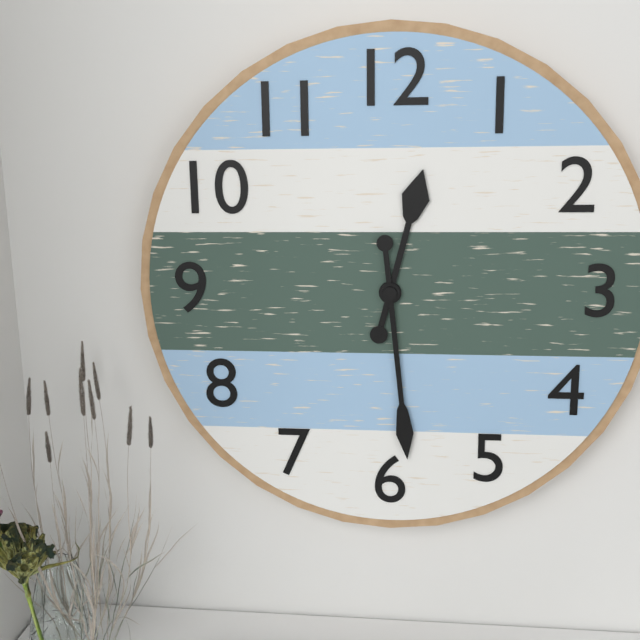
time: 12:29
